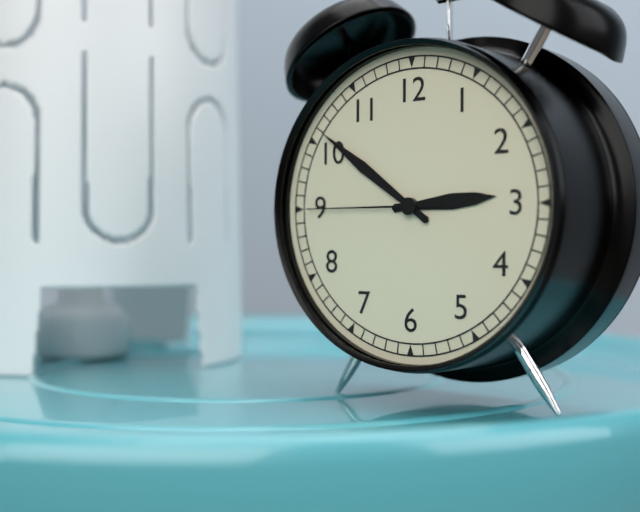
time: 2:51:45
